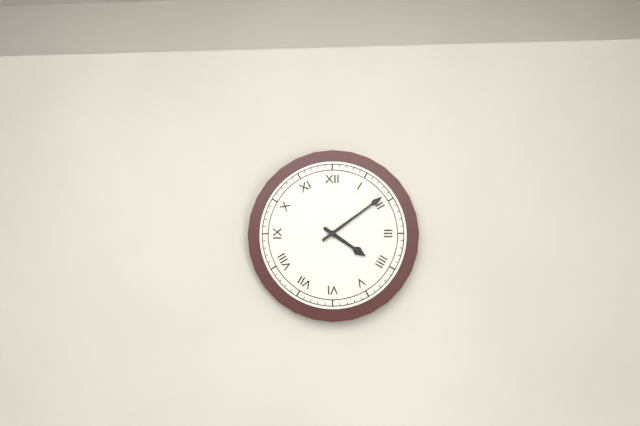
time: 4:09
